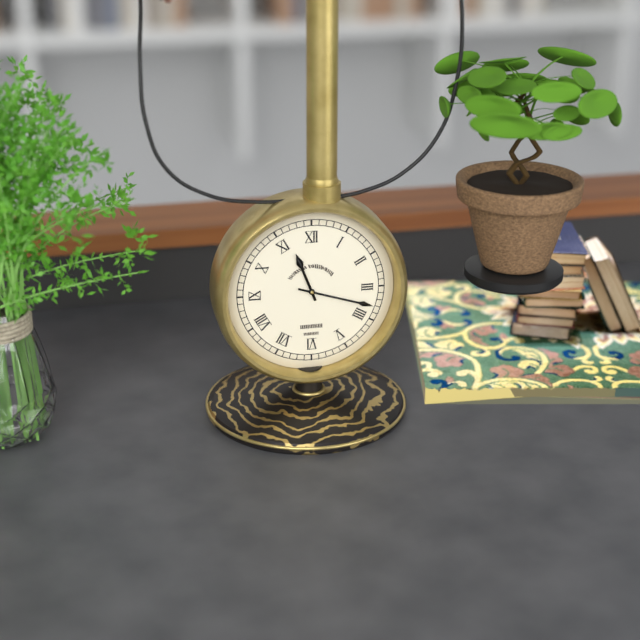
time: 11:18
